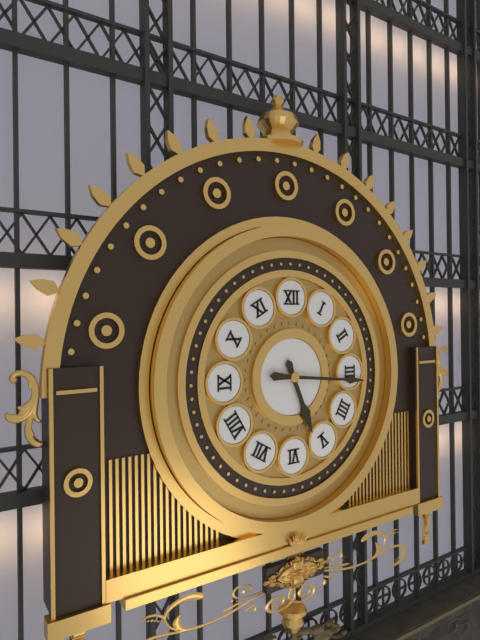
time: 5:16
